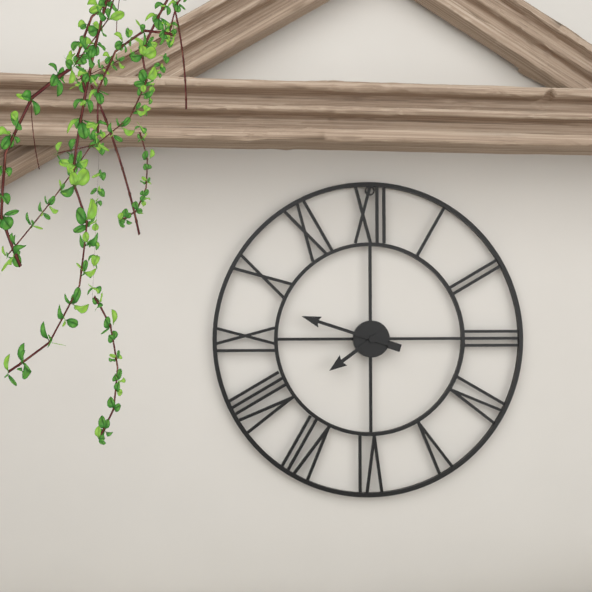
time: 7:48
